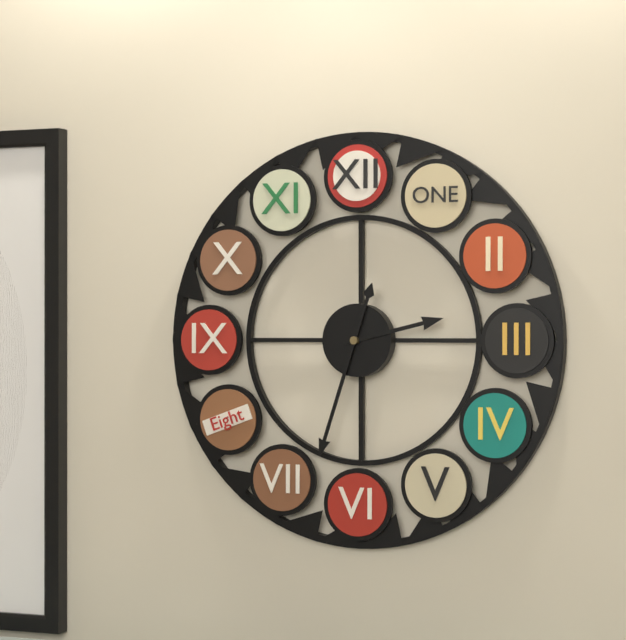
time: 2:33
